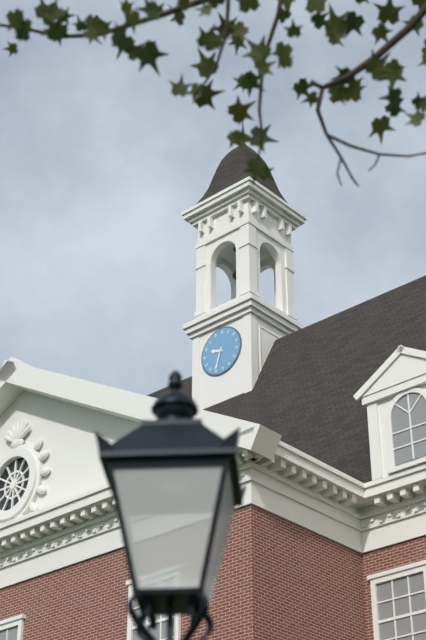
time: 9:33
